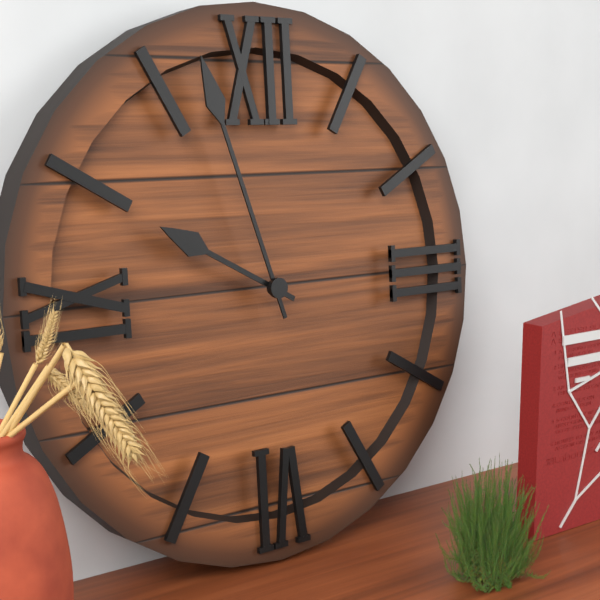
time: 9:57
